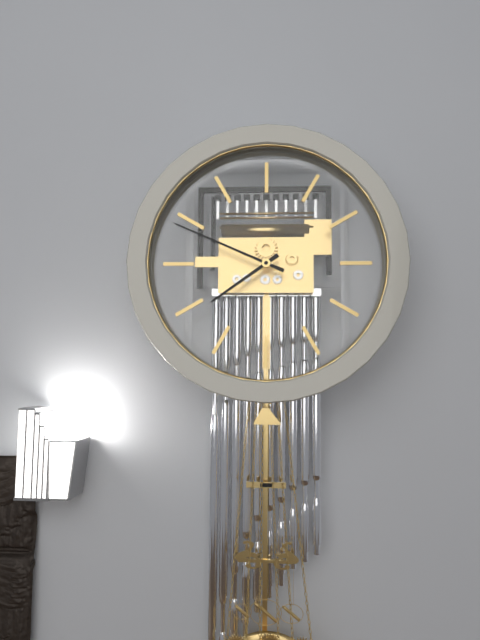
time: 7:49
